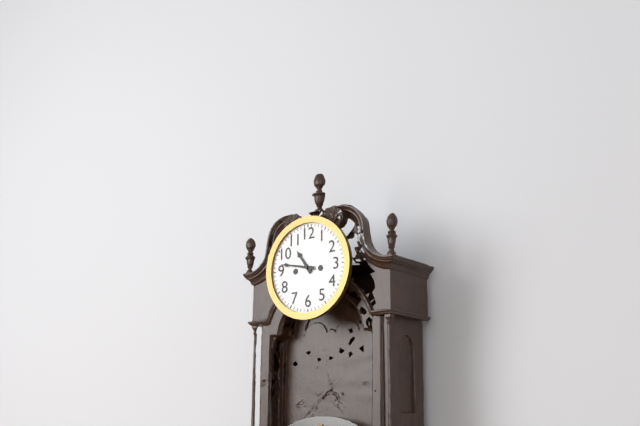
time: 10:47
